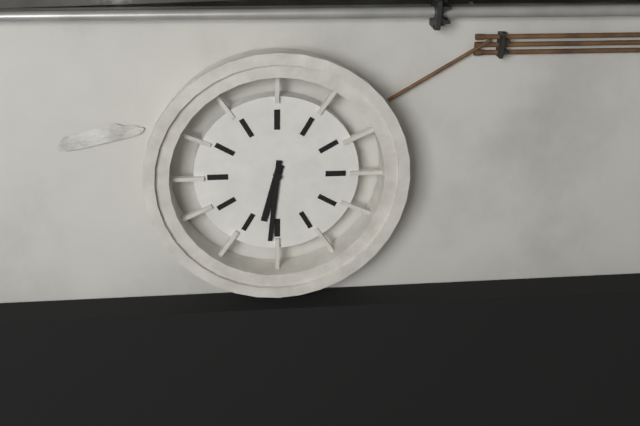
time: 6:31
